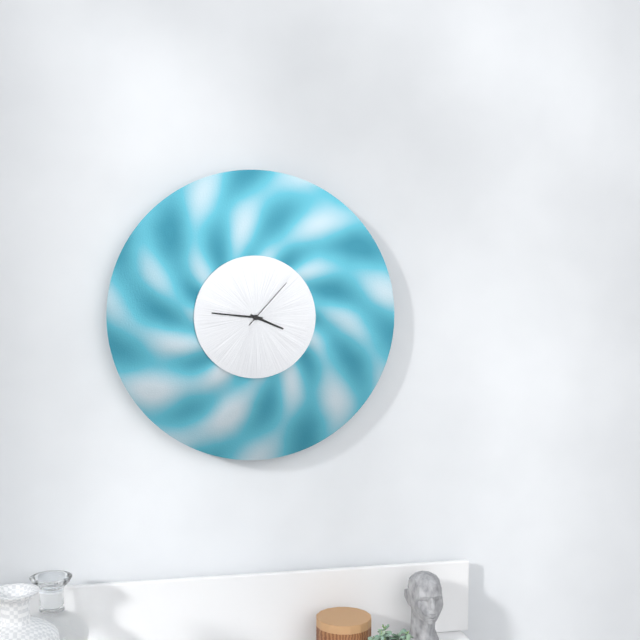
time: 3:46:07
